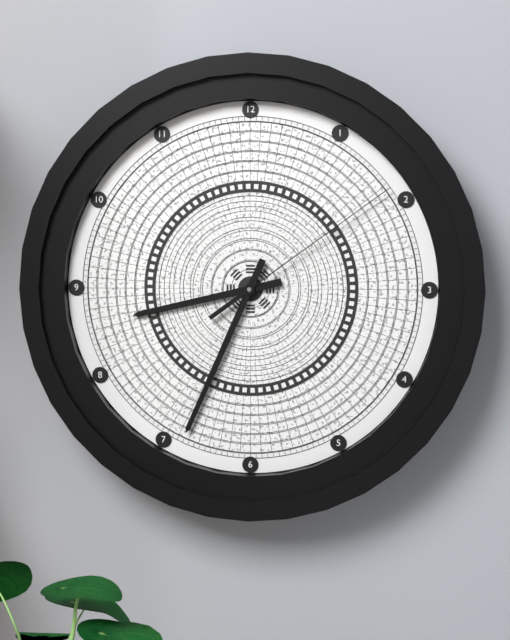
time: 8:34:09
